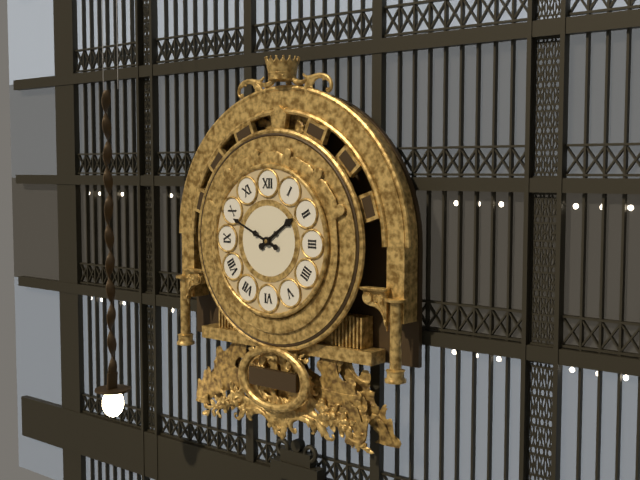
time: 1:49
